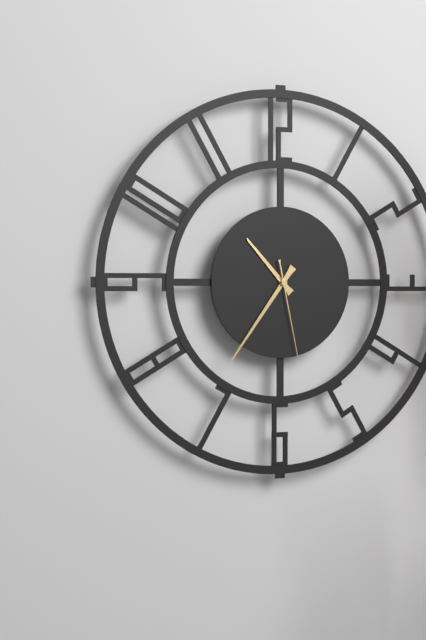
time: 10:36:28
